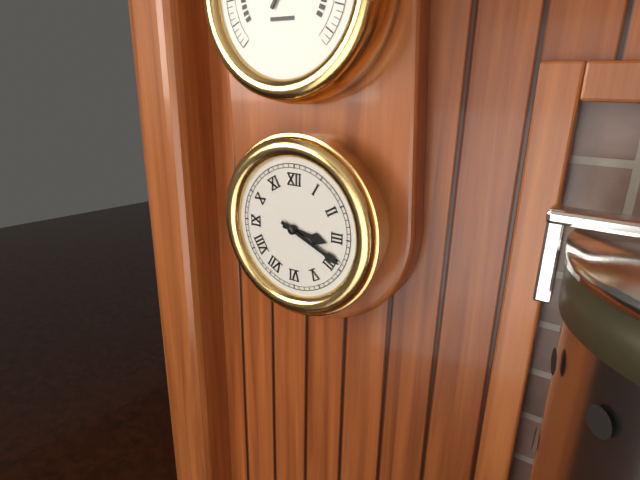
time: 3:19
